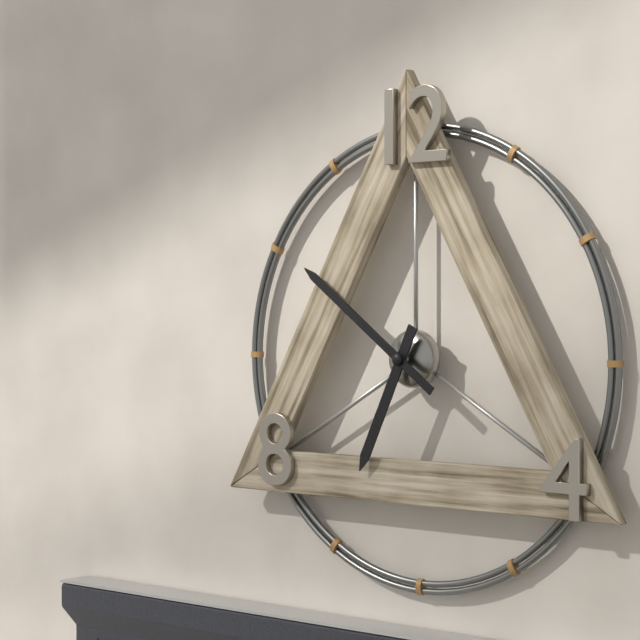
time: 6:51
